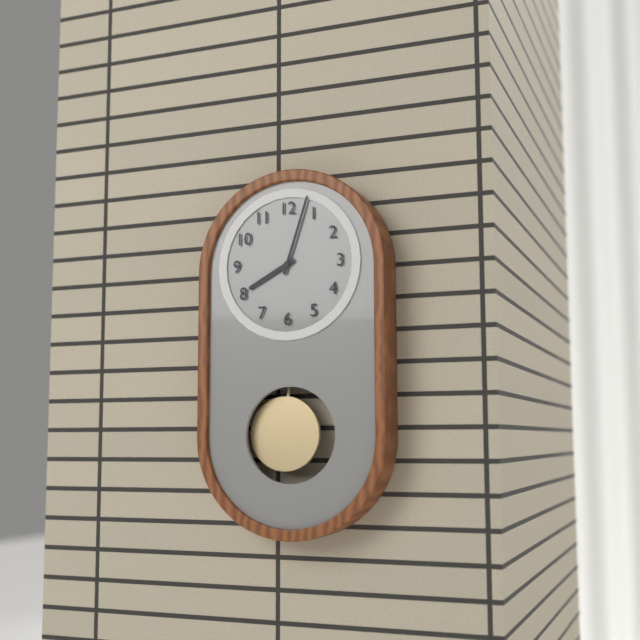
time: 8:03
